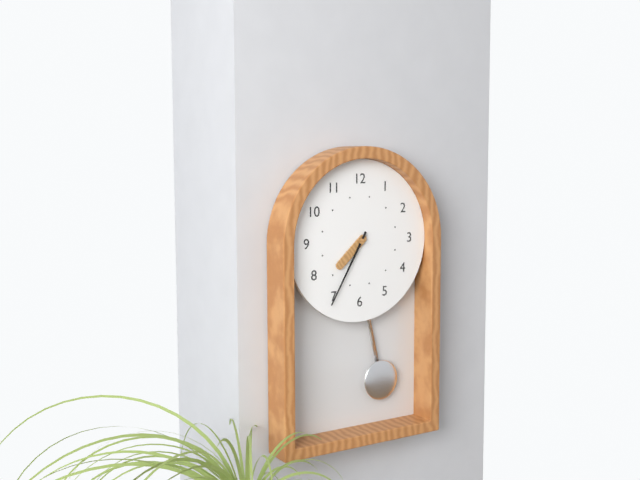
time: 7:35
